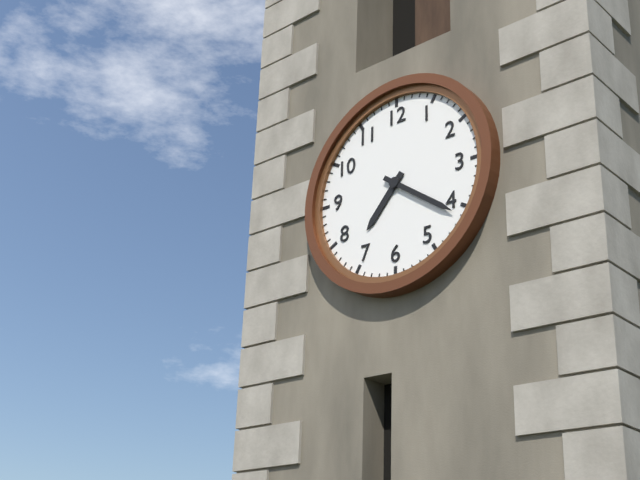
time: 7:21
